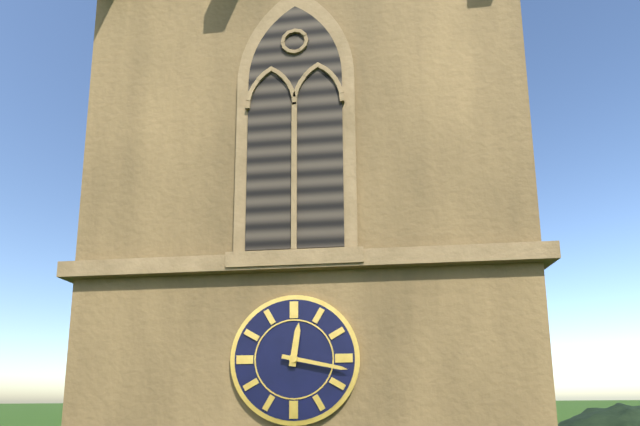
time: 12:17
